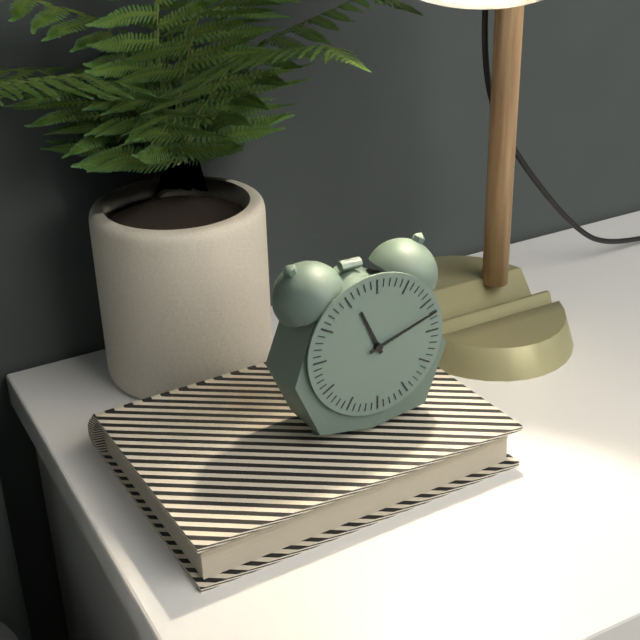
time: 11:12
